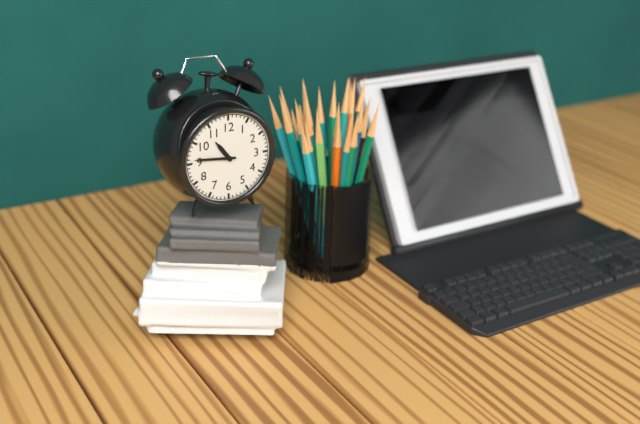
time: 10:46
